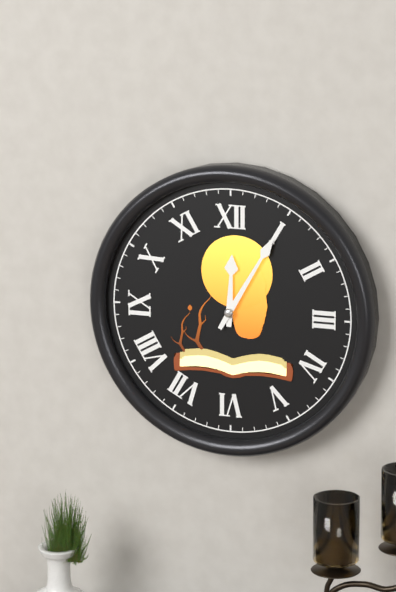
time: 12:05
